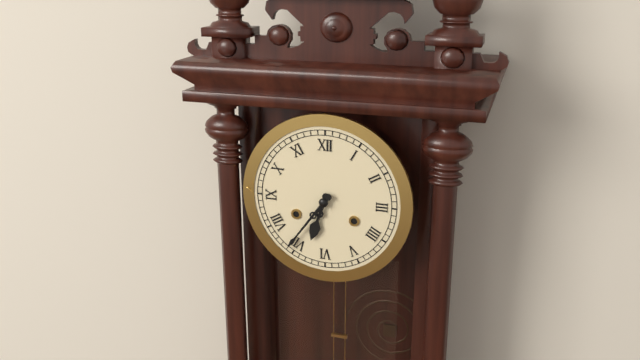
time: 6:36
